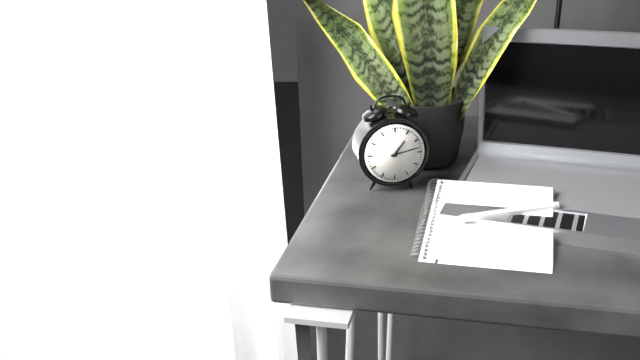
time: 1:13
